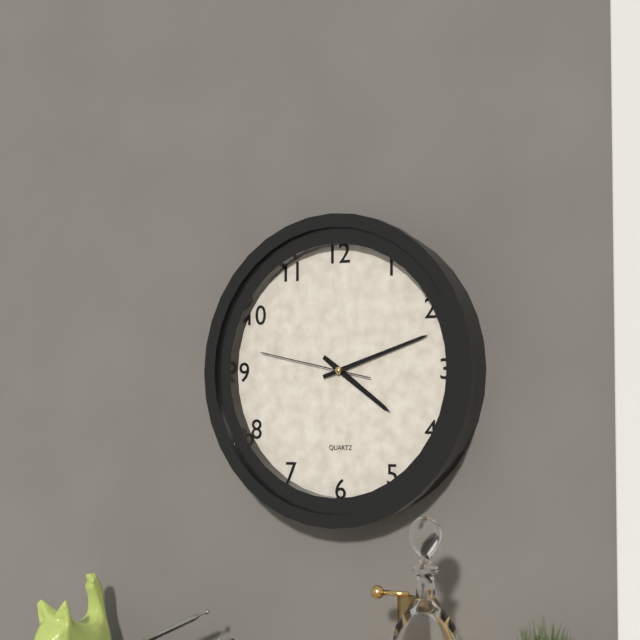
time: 4:12:47
